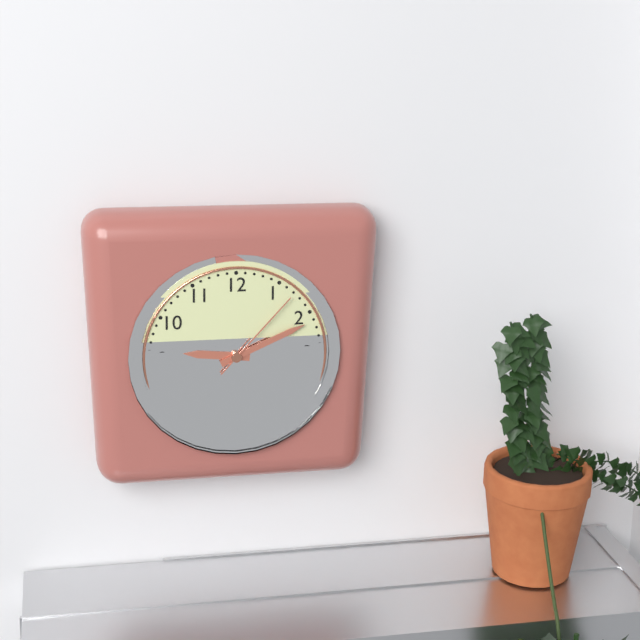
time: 9:11:07
